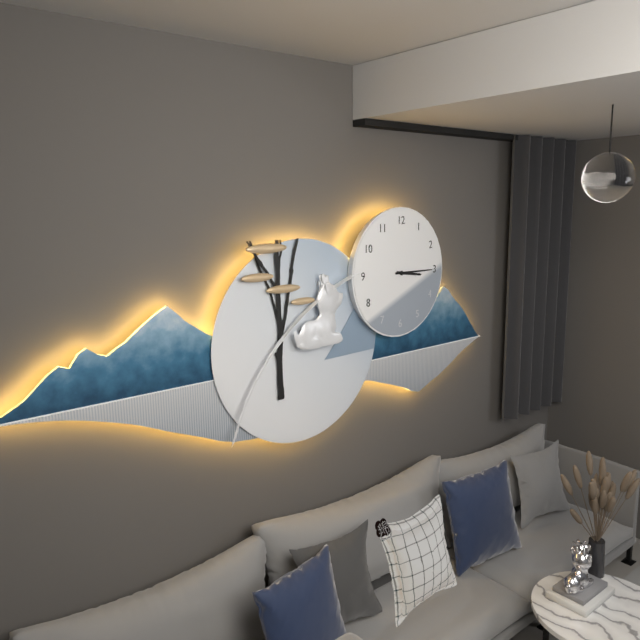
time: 3:15
